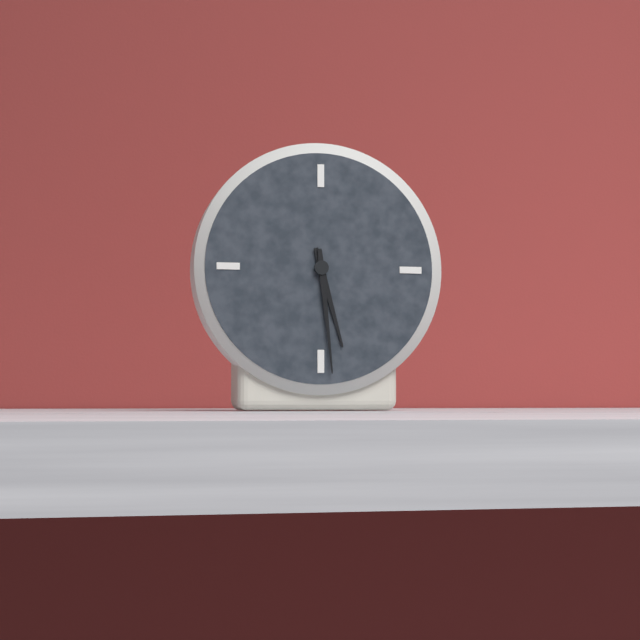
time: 5:29
